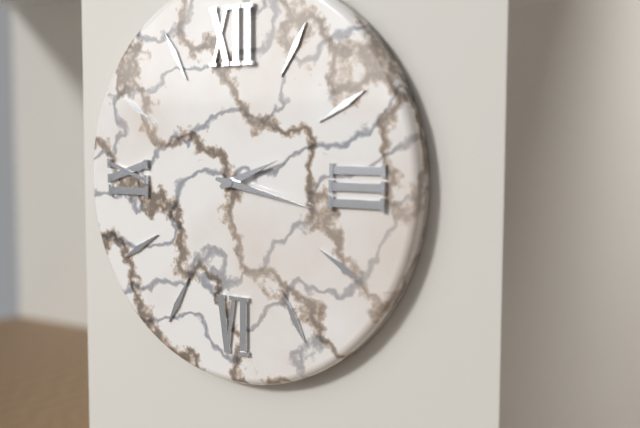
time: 2:17
